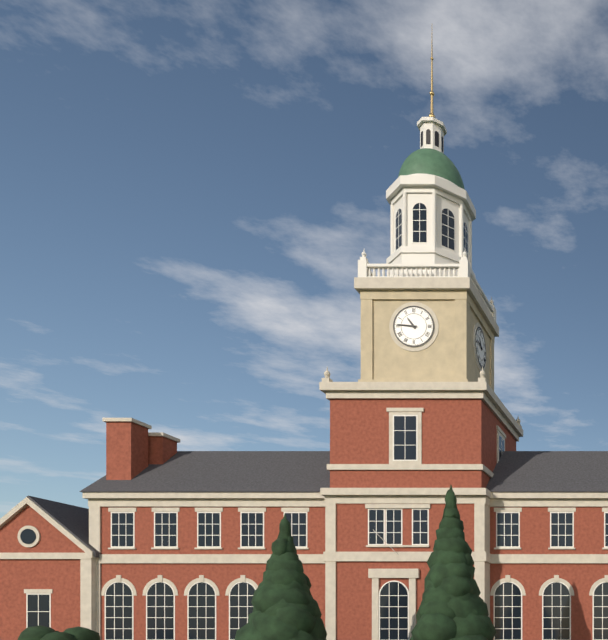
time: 10:46
